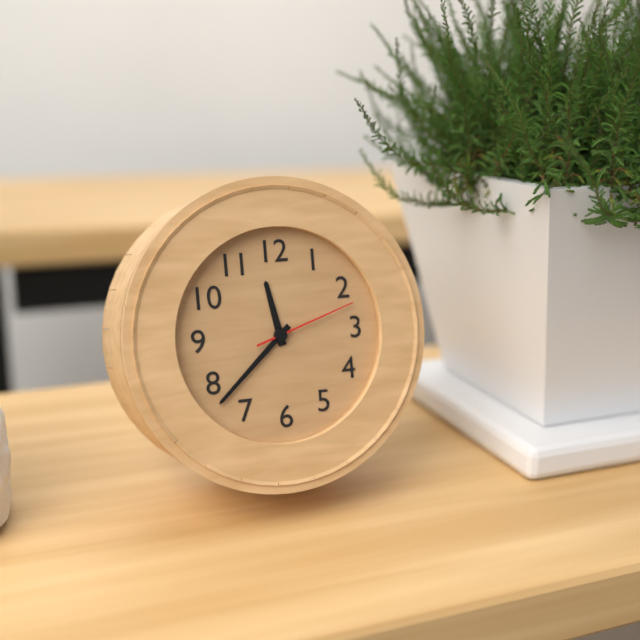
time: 11:38:12
